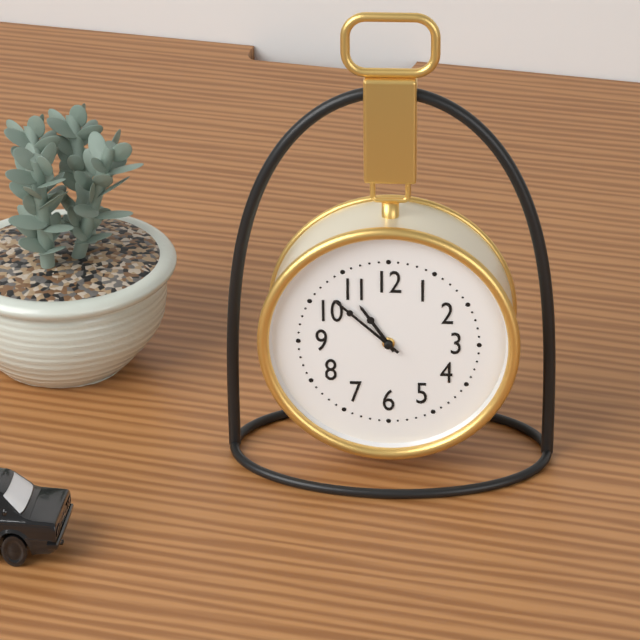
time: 10:52
